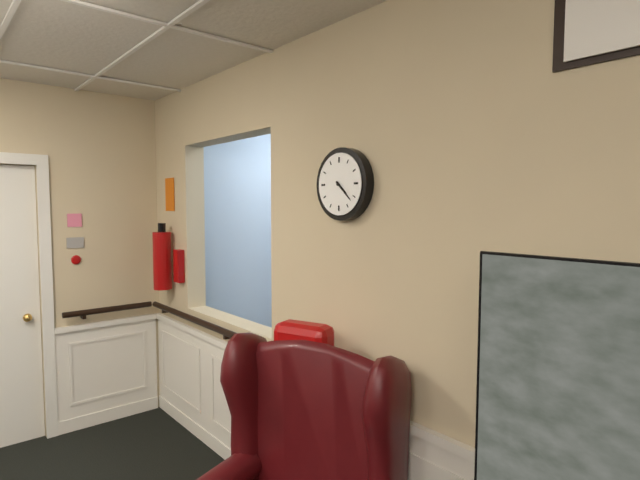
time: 4:22
